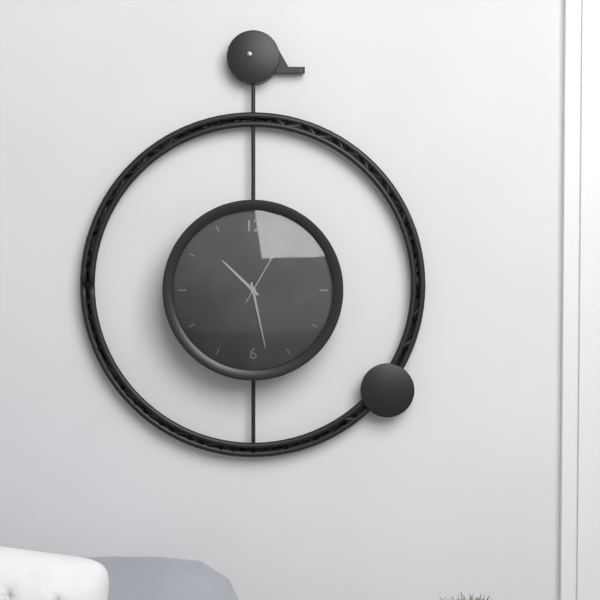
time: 10:28:05
